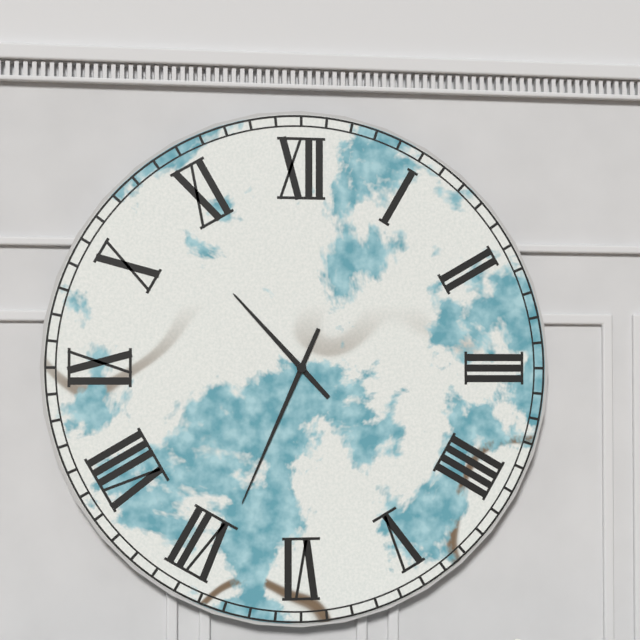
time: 10:34
